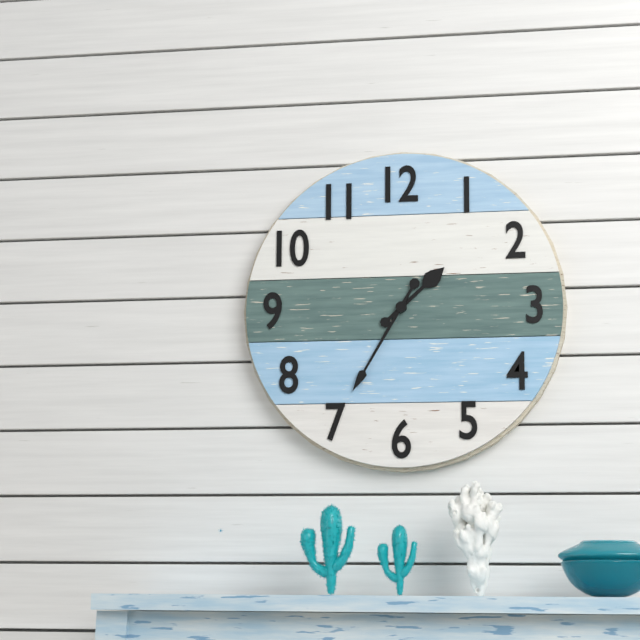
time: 1:35
